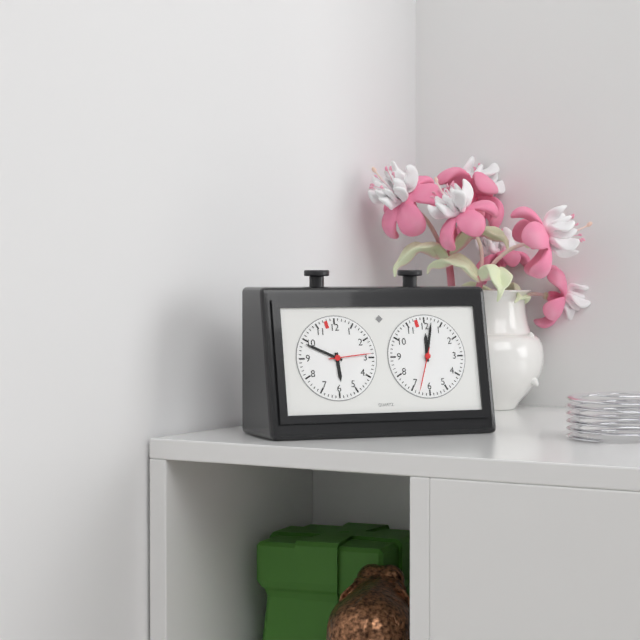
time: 5:49
